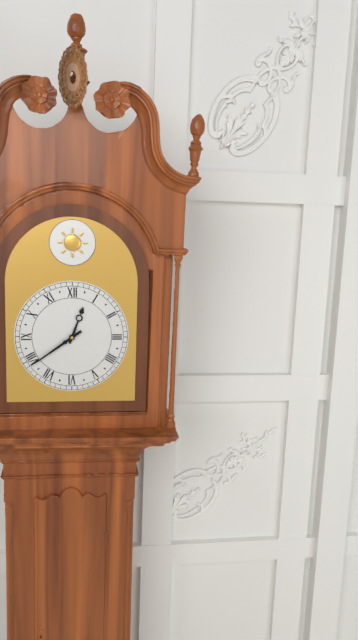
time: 12:39
